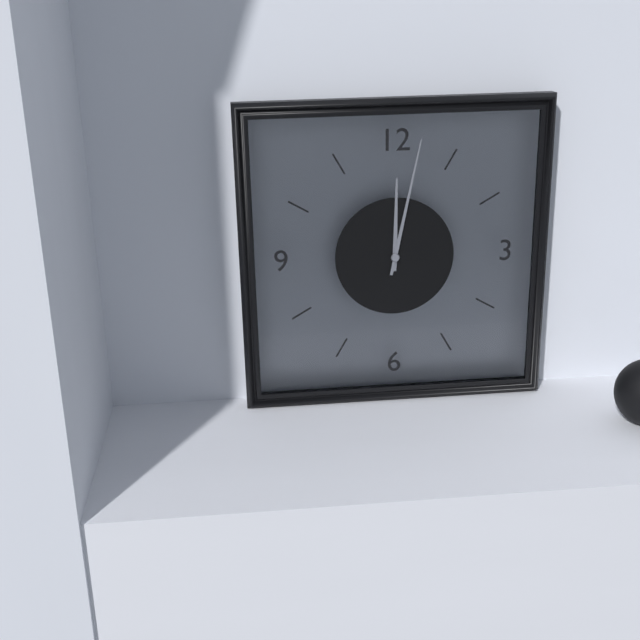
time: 12:02
